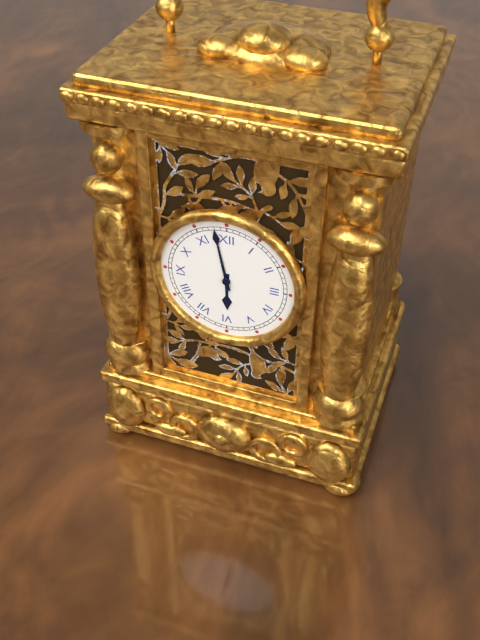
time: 5:58
